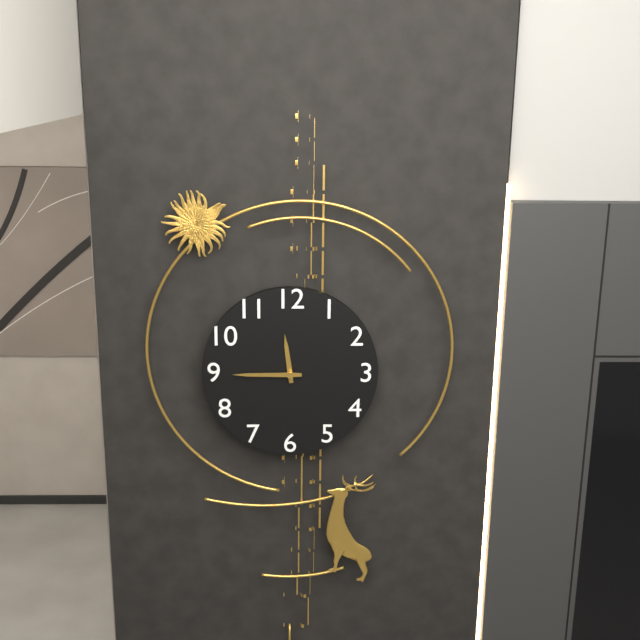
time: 11:45
